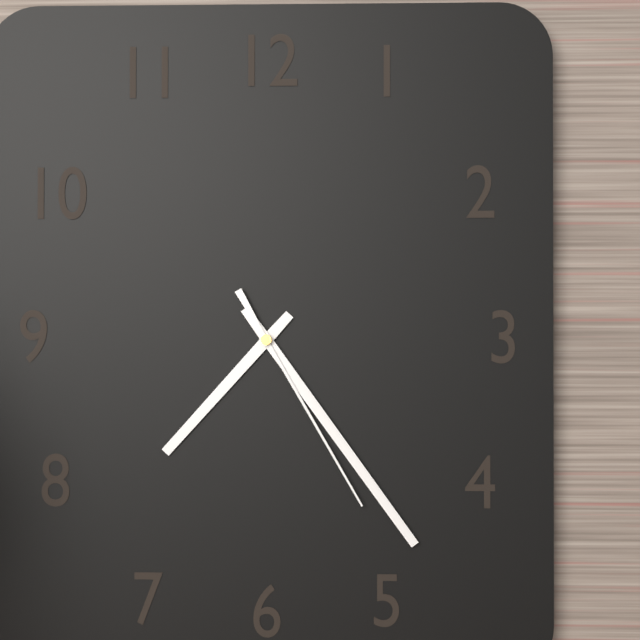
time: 7:24:25
